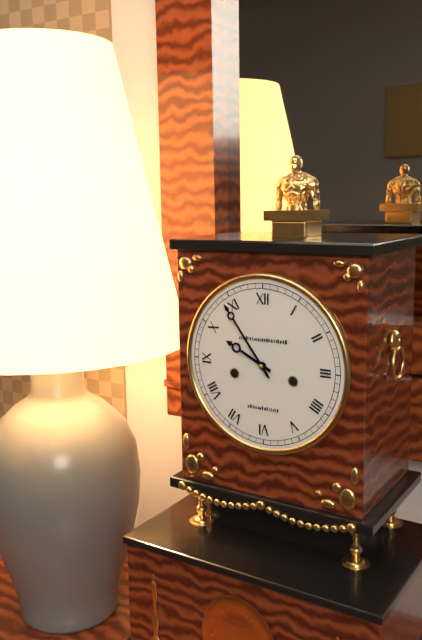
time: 9:54
